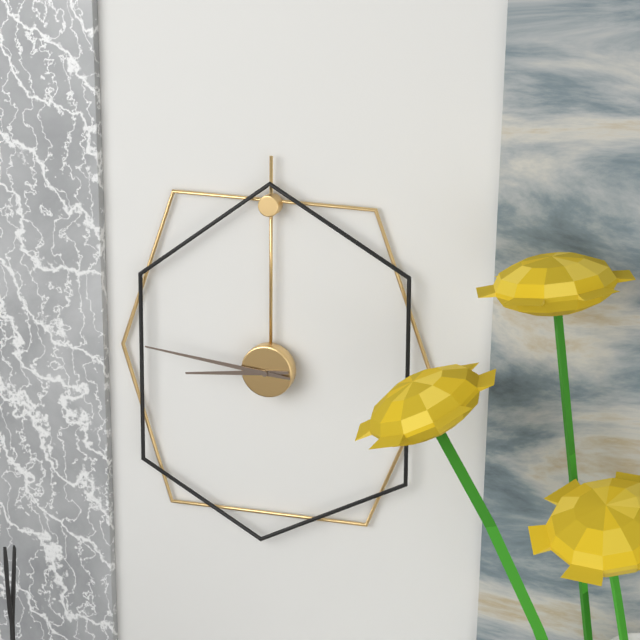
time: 8:46
